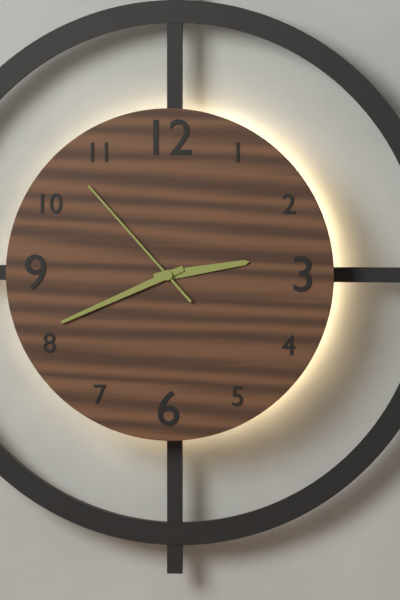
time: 2:41:53
